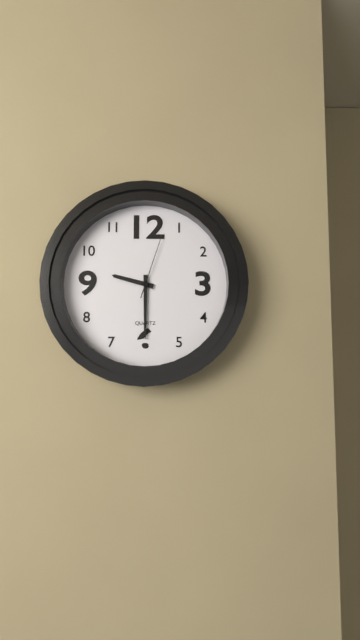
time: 9:30:03
